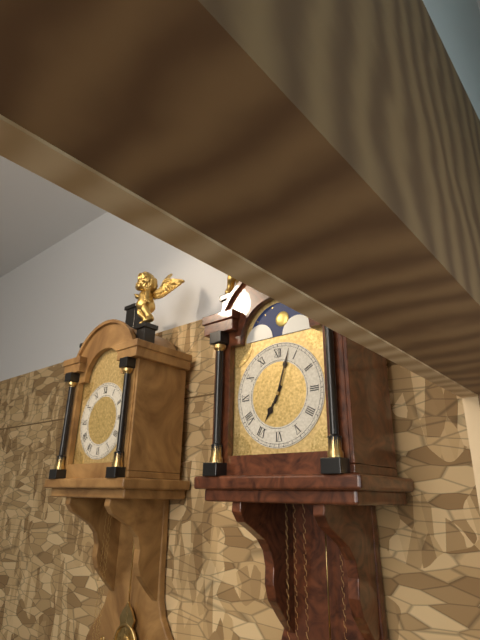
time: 7:03
